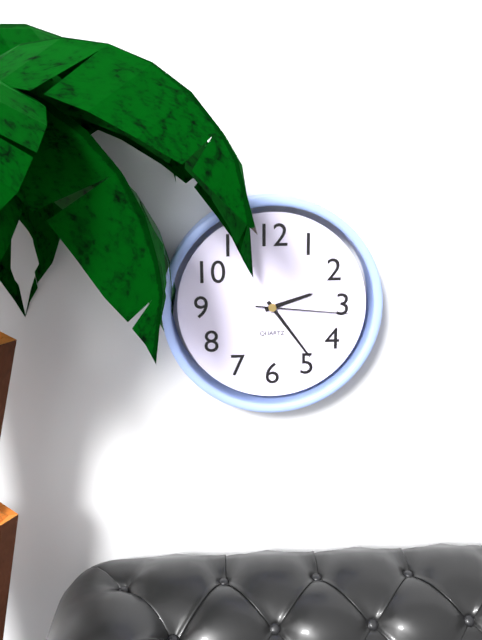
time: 2:24:16
